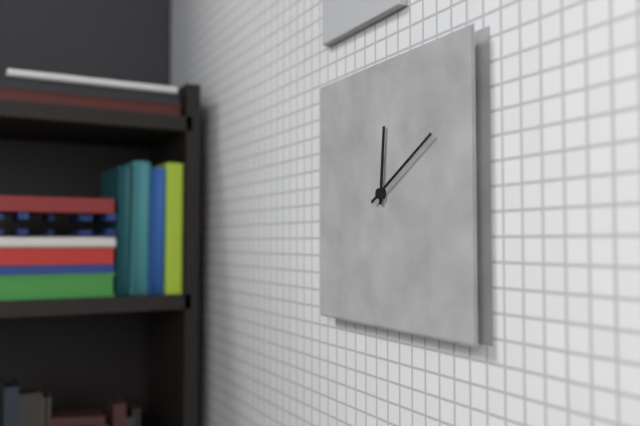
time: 12:10
